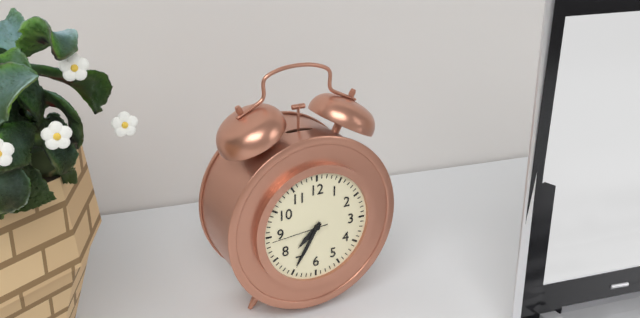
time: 7:35:44
